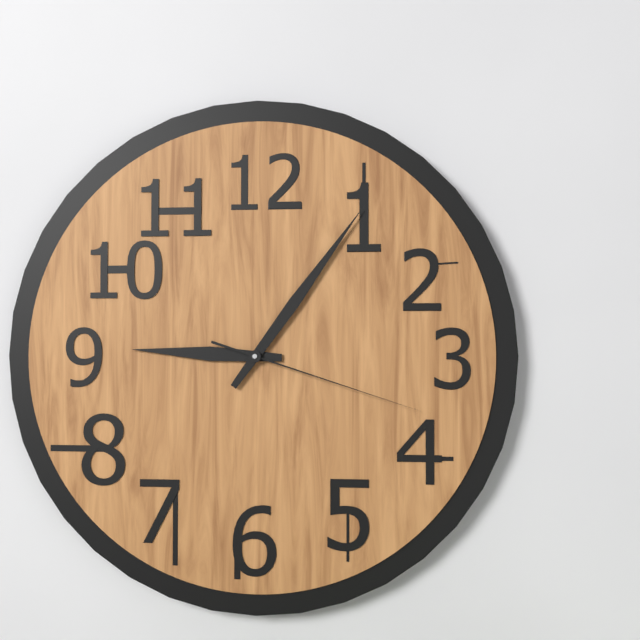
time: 9:06:18
